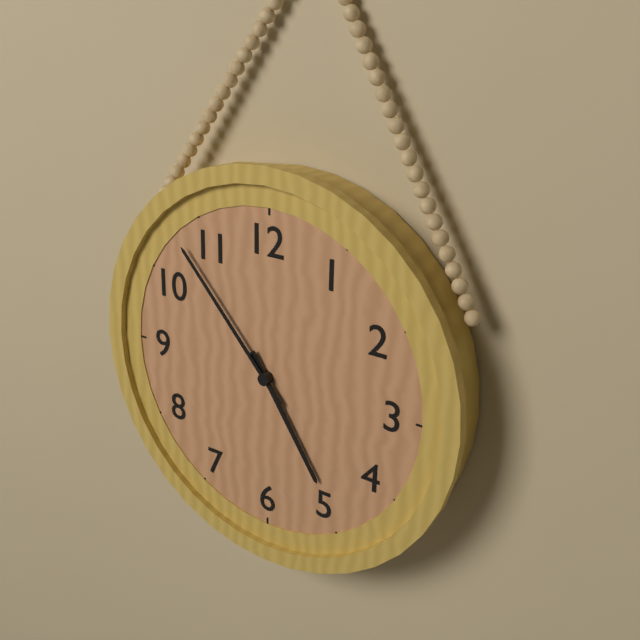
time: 4:53
